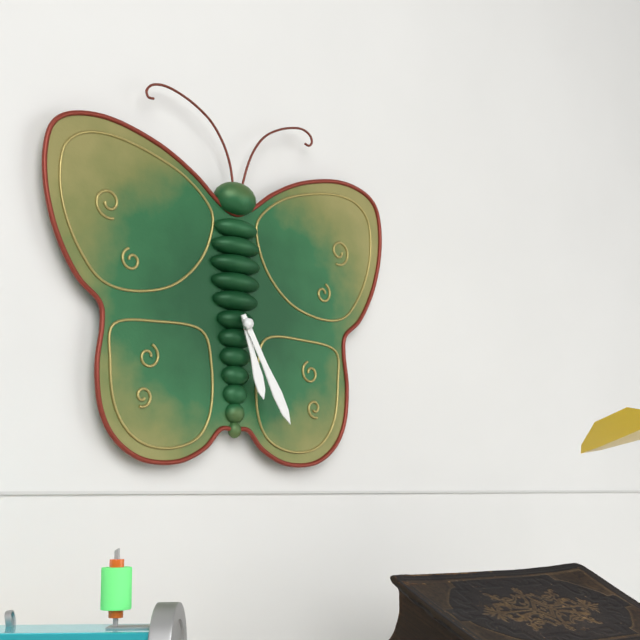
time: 5:25
